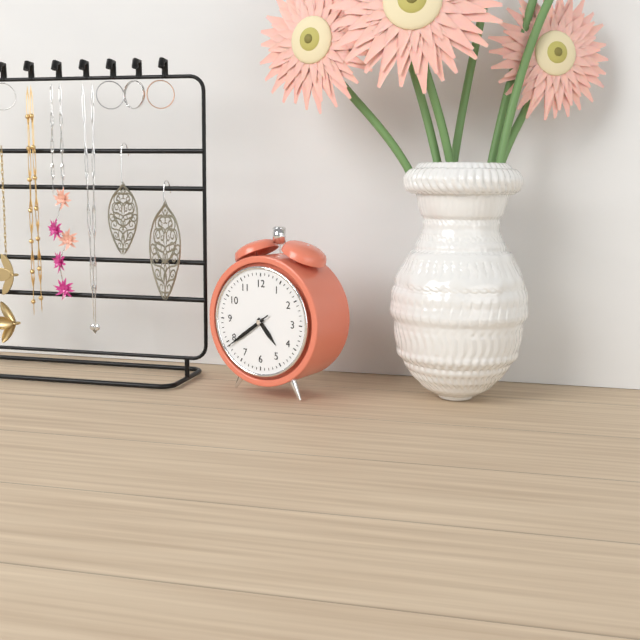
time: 4:39:39
